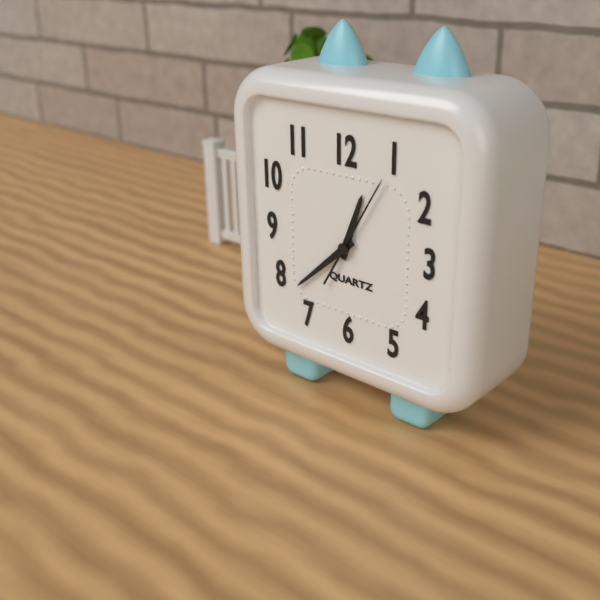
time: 12:38:05
